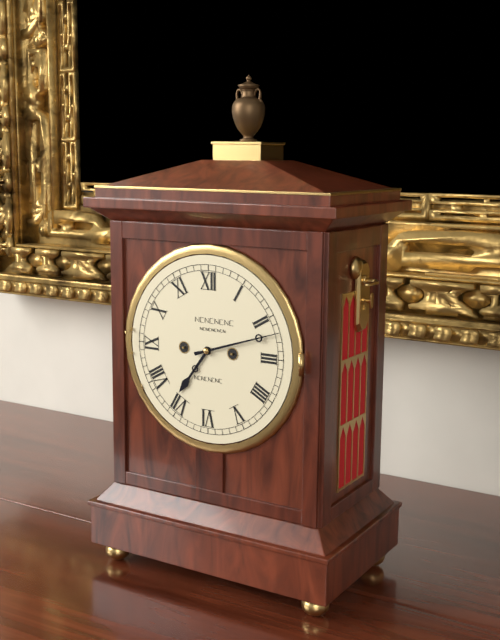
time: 7:12
